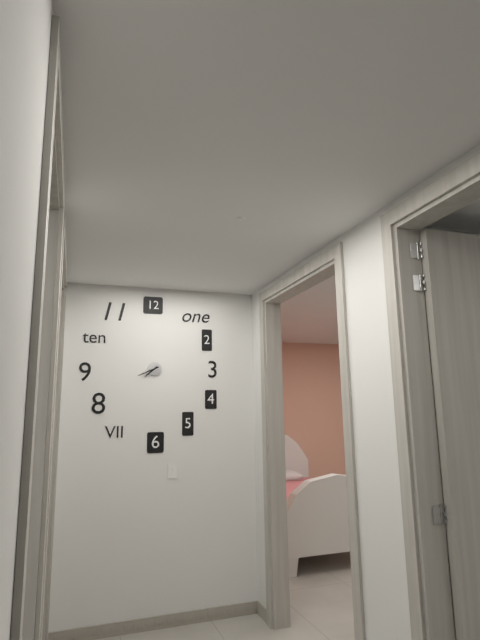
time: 7:41
